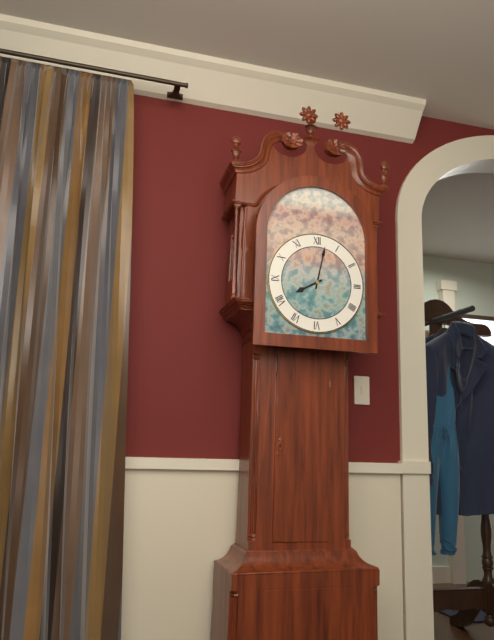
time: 8:02
